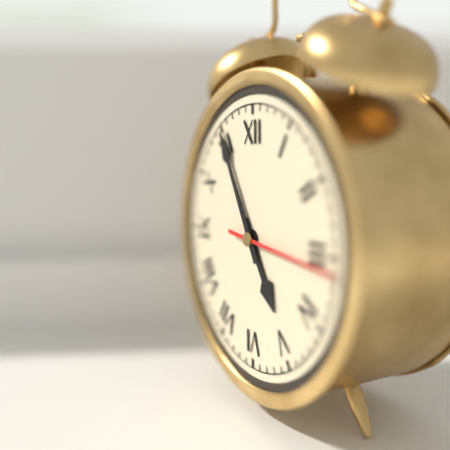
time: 4:55:16
